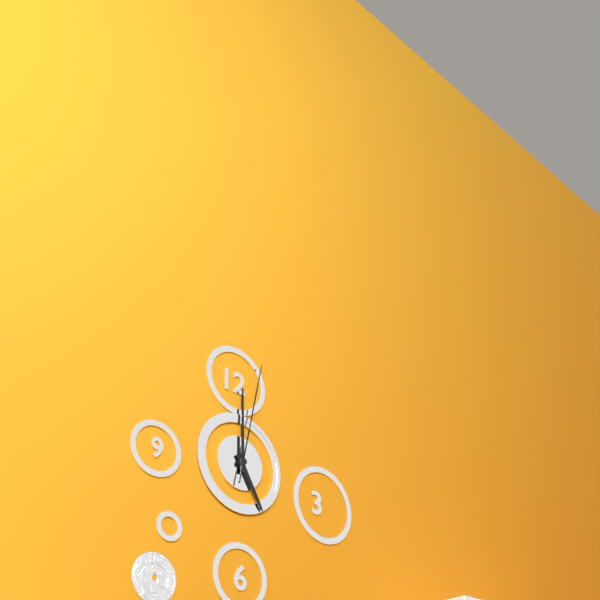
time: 5:00:02
